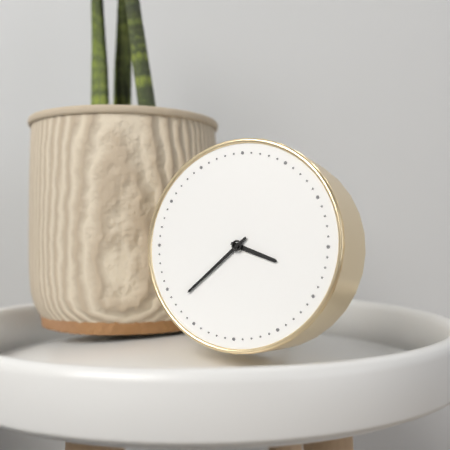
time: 3:38
